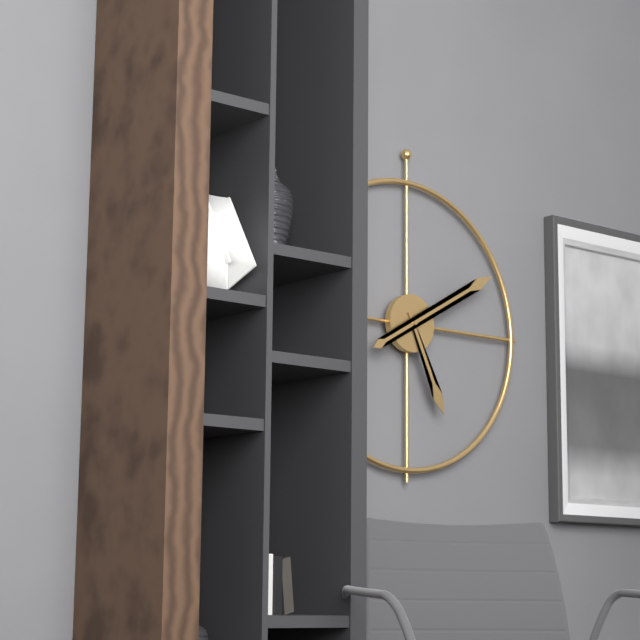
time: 5:10
